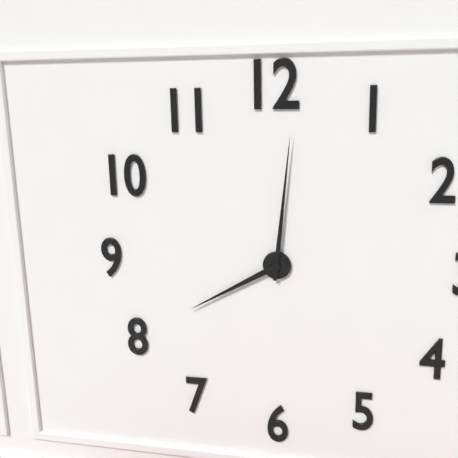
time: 8:01
